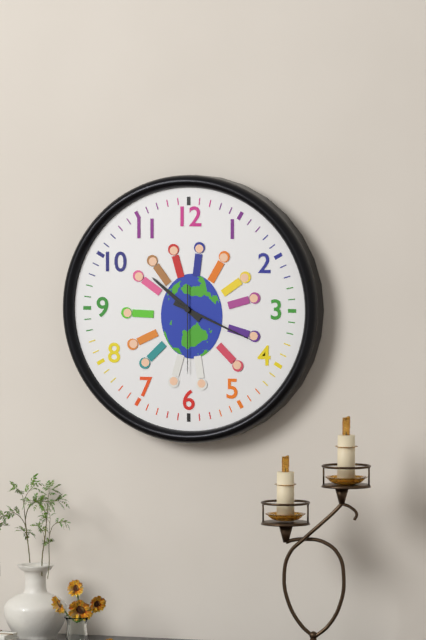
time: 10:19:30
